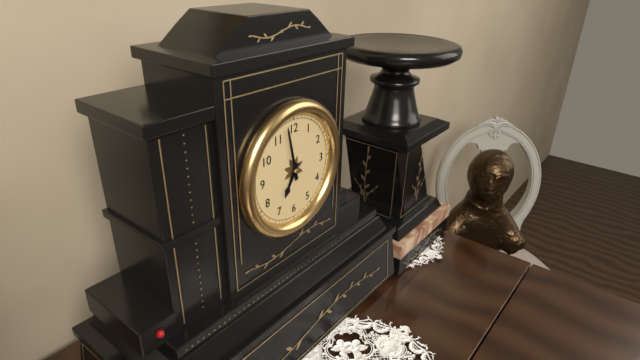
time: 6:58
